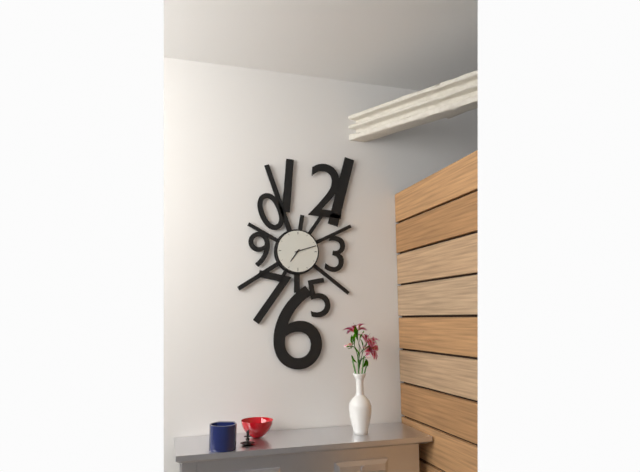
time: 7:12
